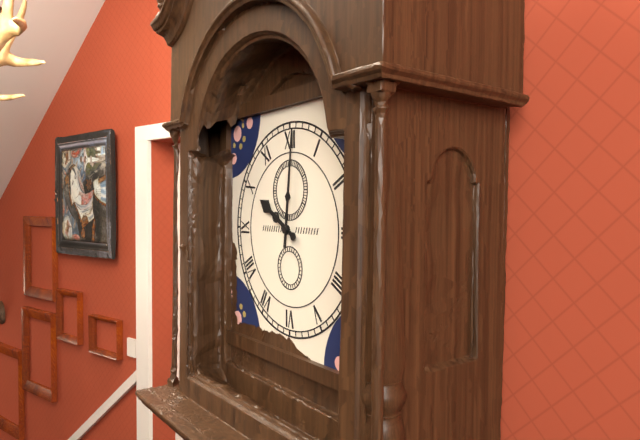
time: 10:01
